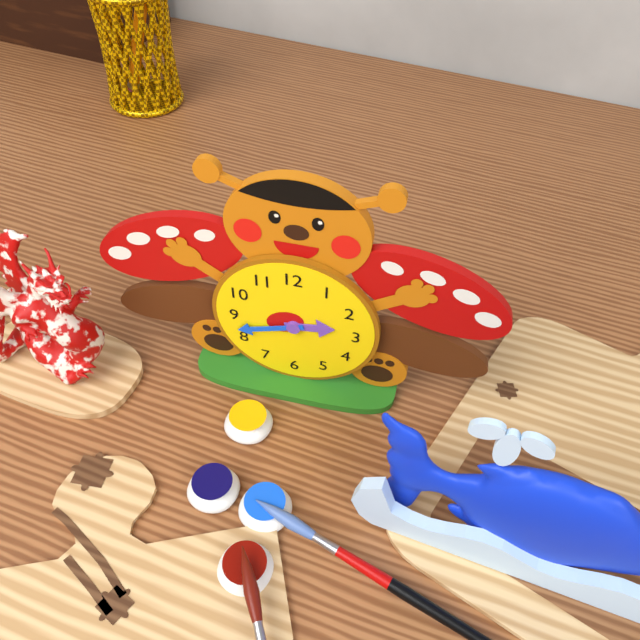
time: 2:42
